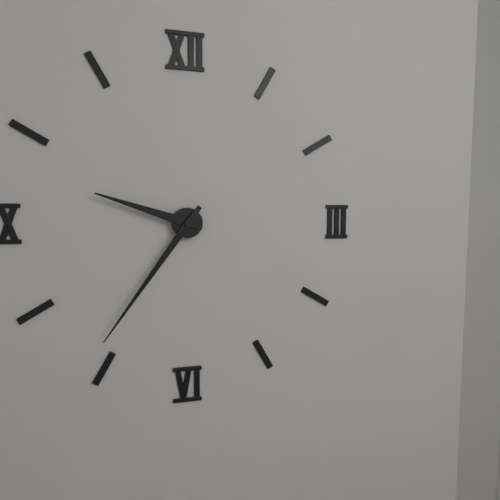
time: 9:36
